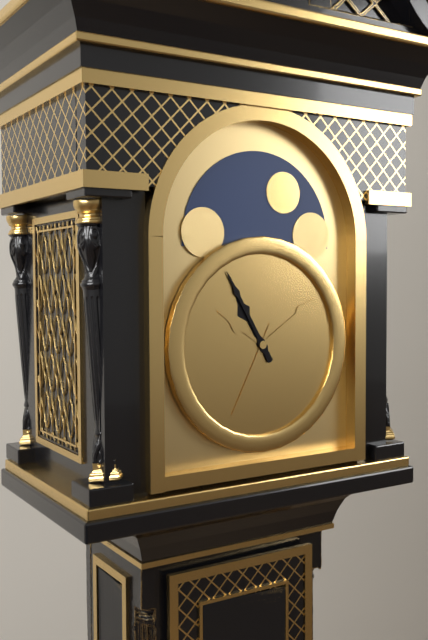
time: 10:55
